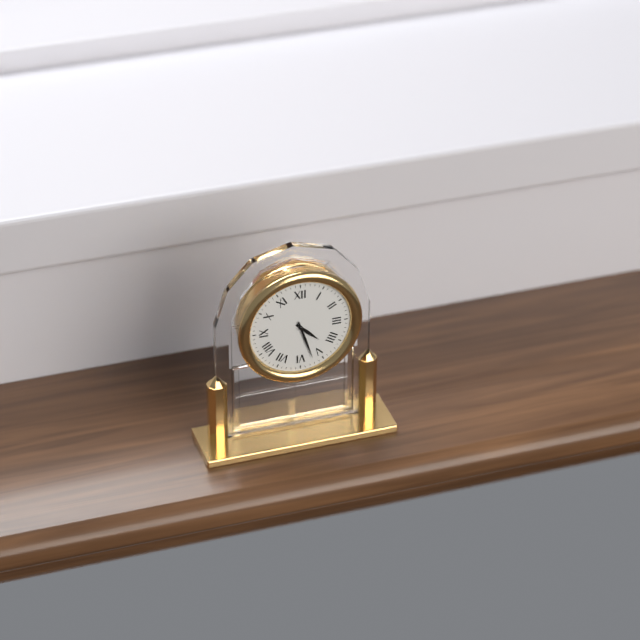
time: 4:27
